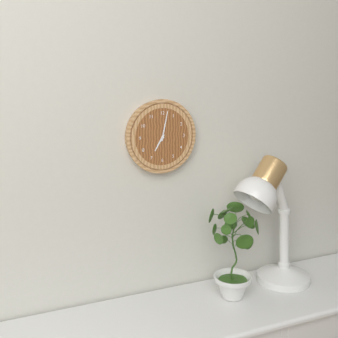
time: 7:02
